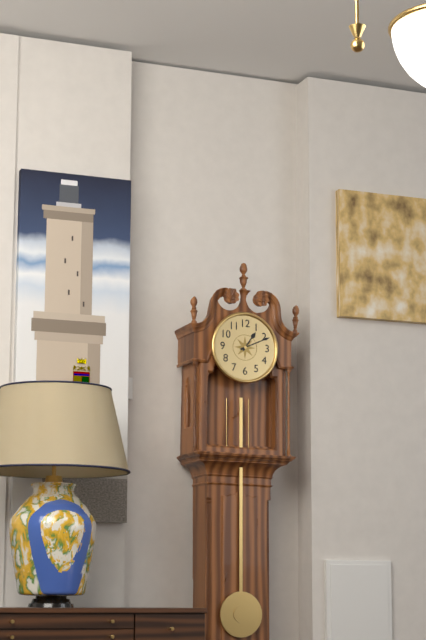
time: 1:11
